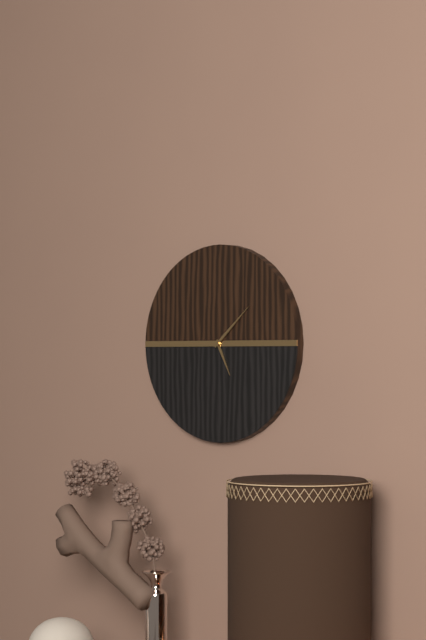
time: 5:08
